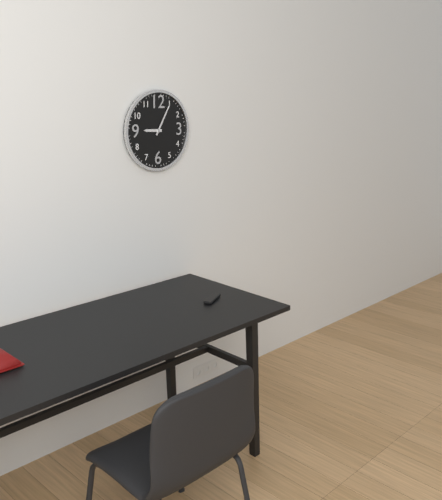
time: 9:05
